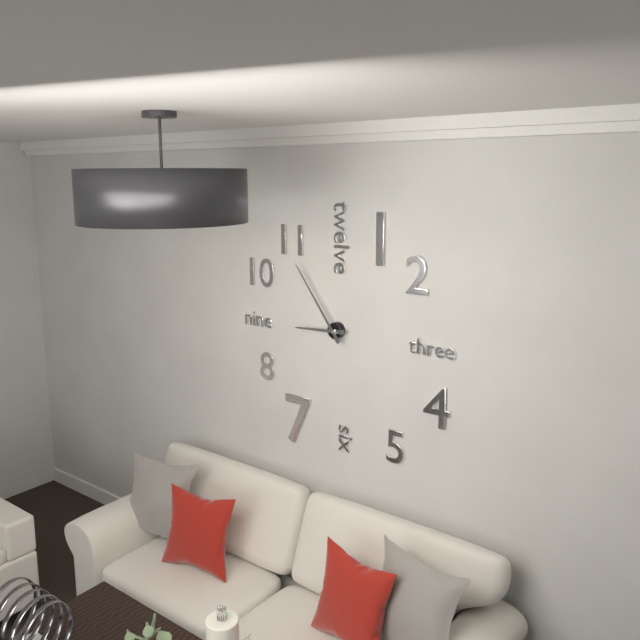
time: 8:54
